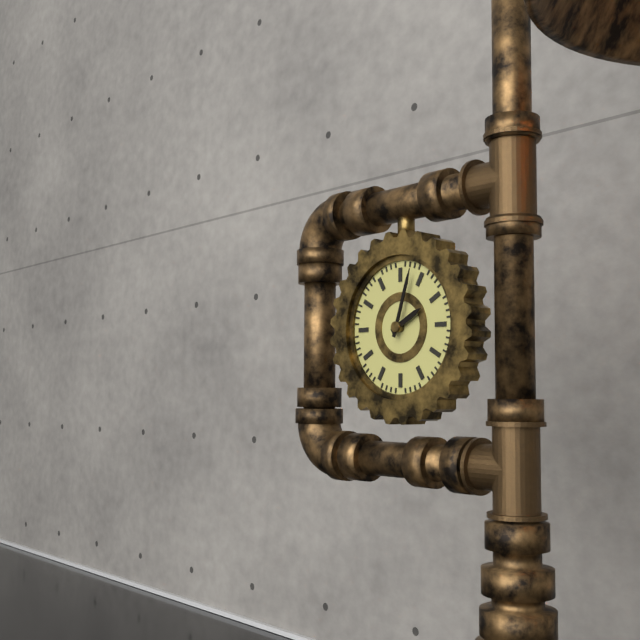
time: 2:03
